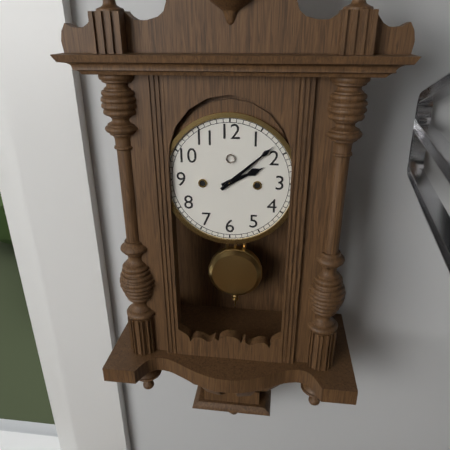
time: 2:08
